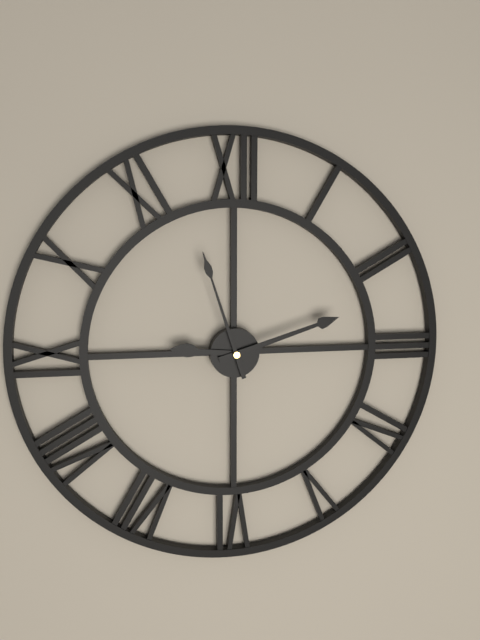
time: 9:12:57
